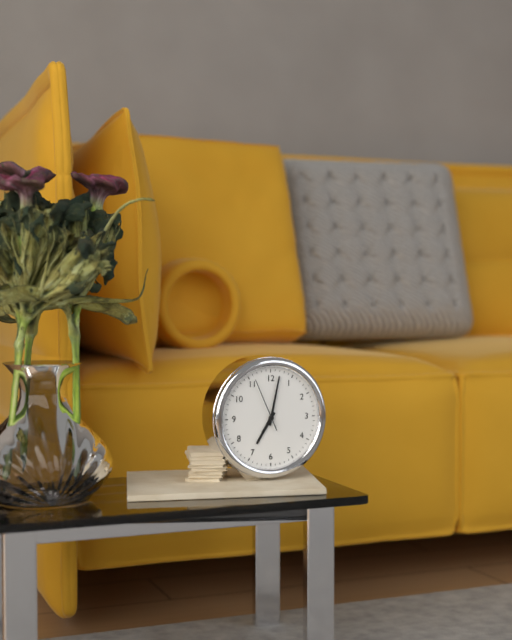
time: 7:02:56
